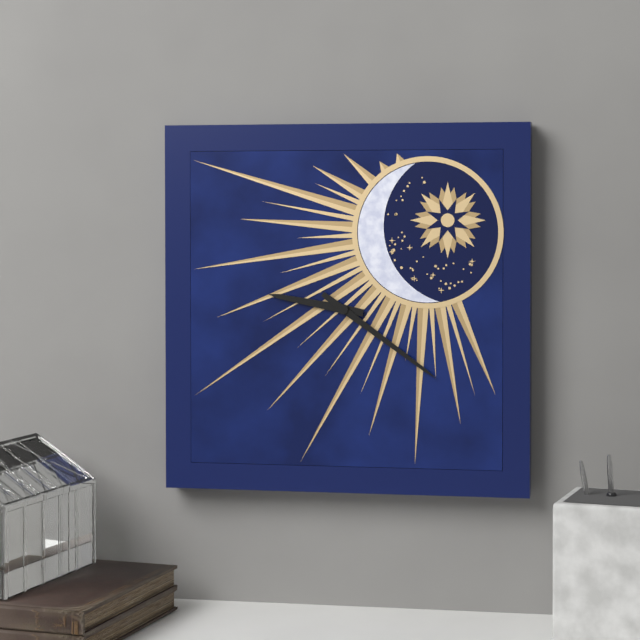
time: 9:21
